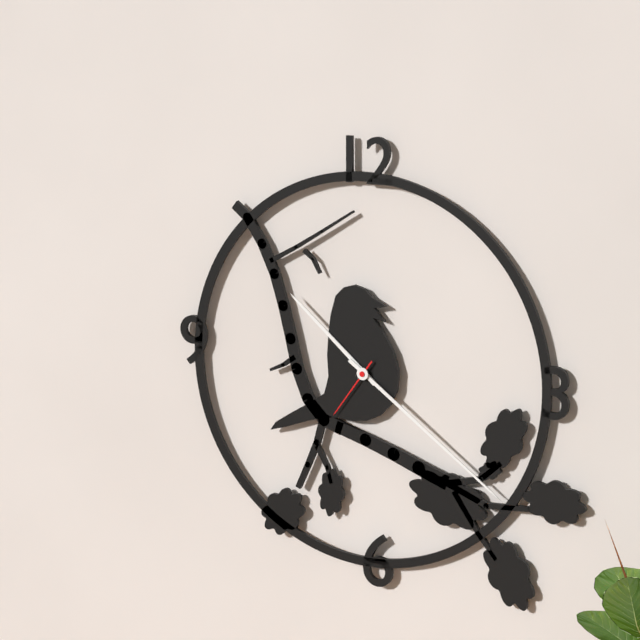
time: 10:21:36
